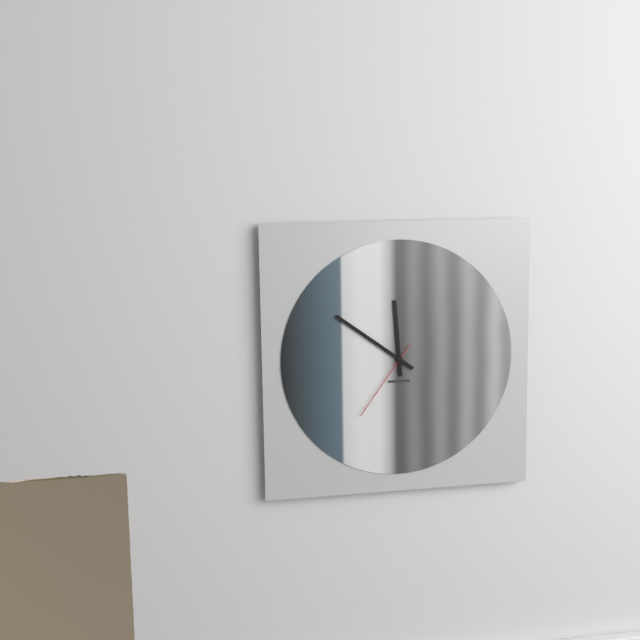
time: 11:51:36
